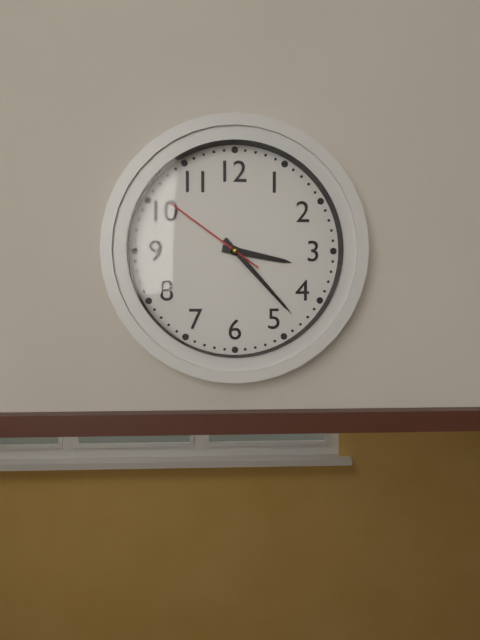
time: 3:23:51
